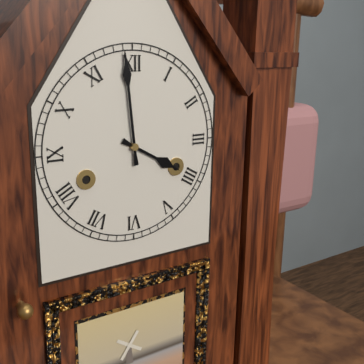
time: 3:59
